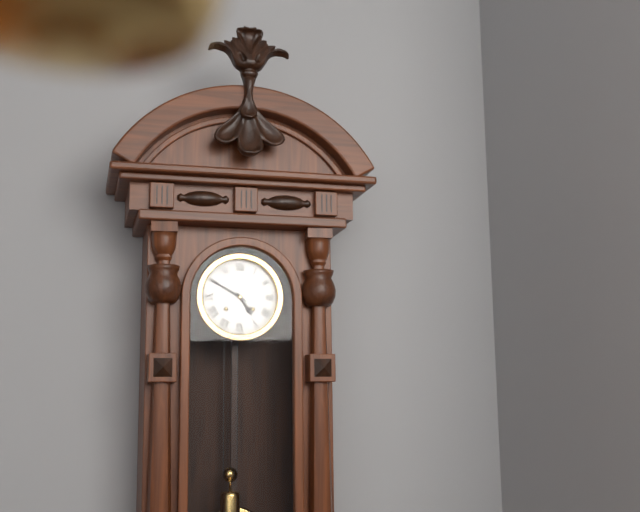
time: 4:50
